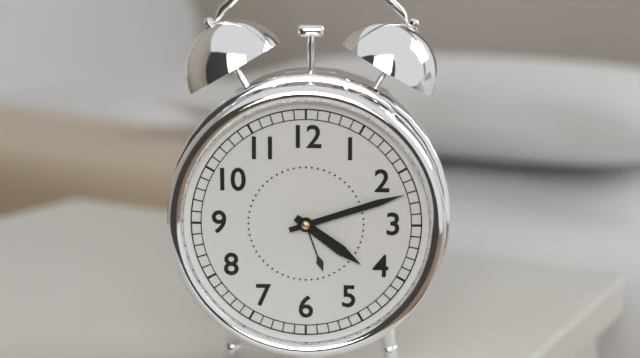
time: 4:12
